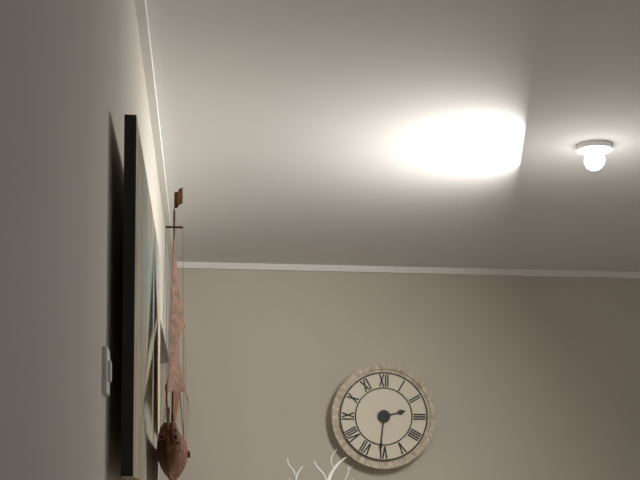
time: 2:31
